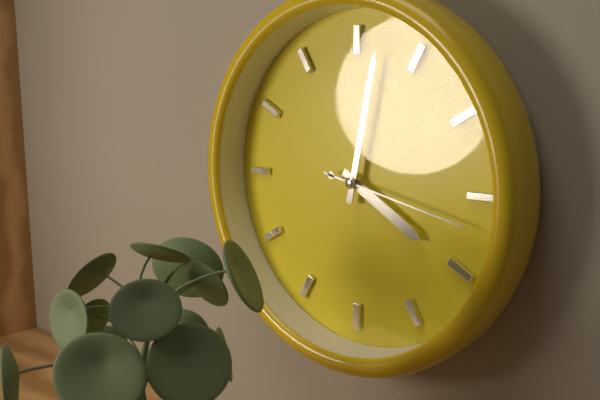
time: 4:02:17
